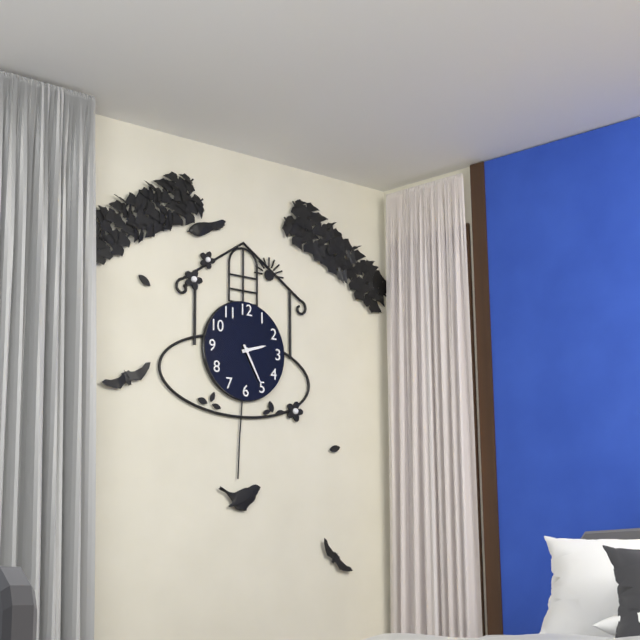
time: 2:25
